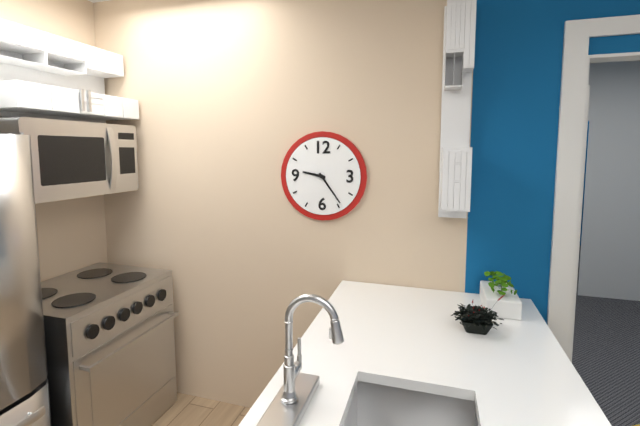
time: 9:24
